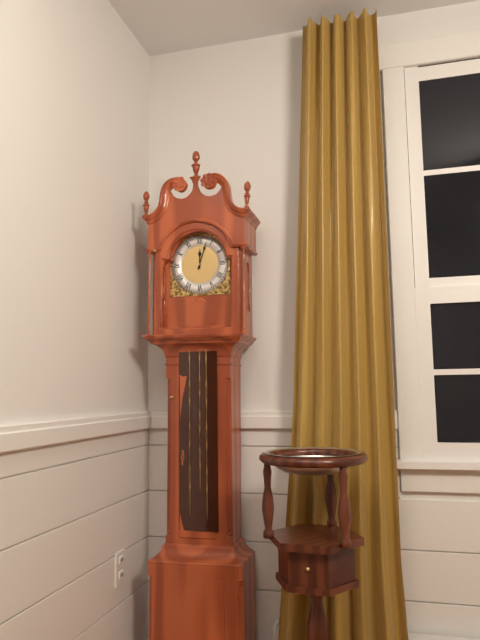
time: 12:03
